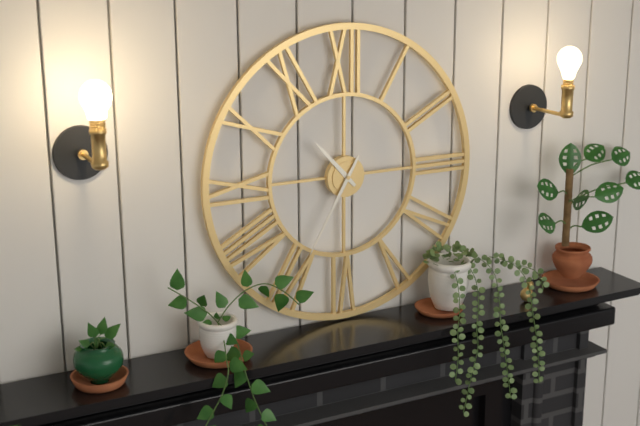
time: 10:35
